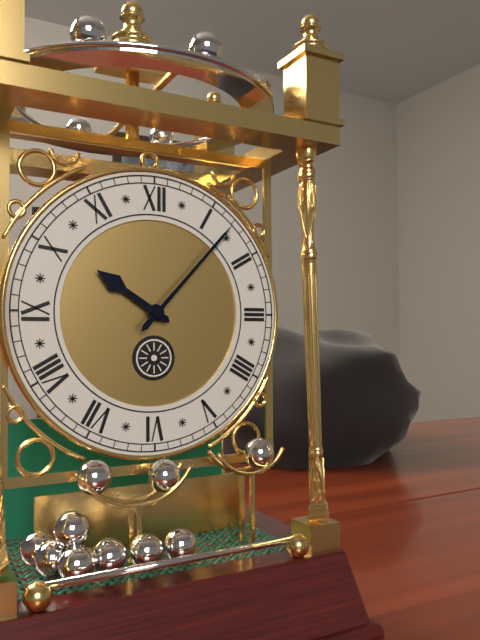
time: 10:07
